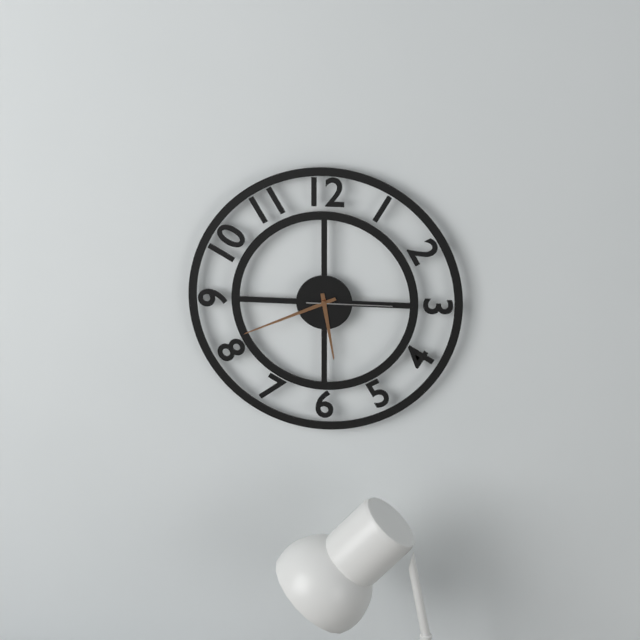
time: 5:41:15
